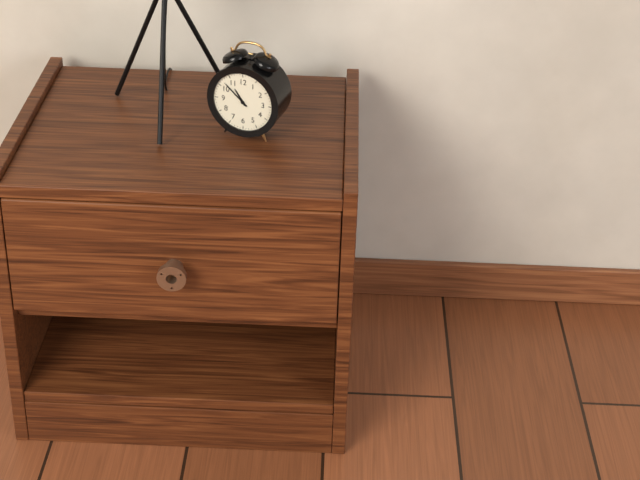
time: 10:52
